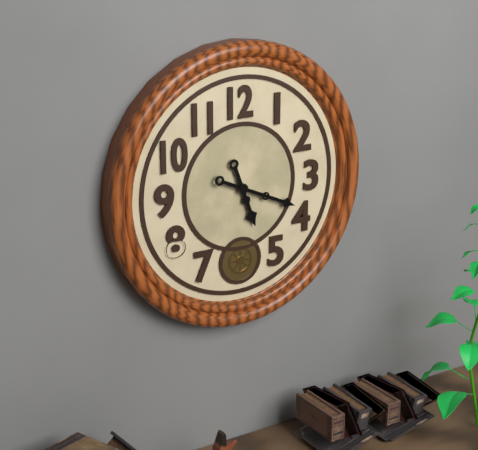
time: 5:19
